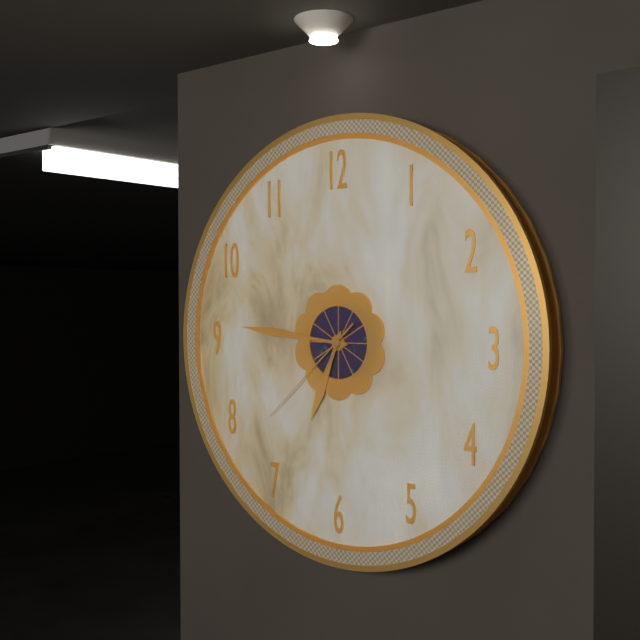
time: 6:46:38
